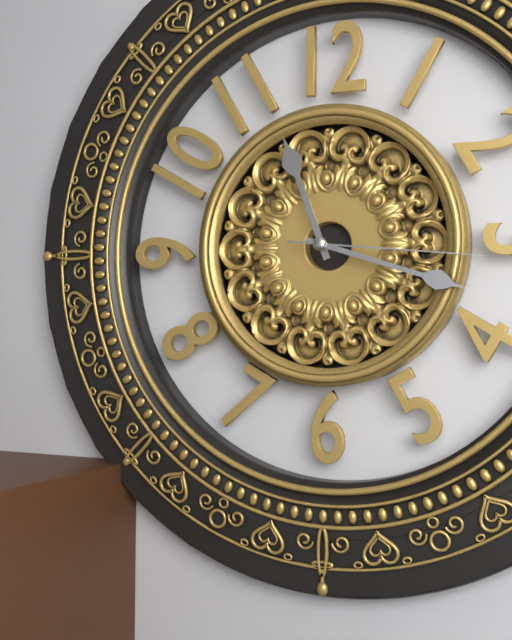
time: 11:18:16
